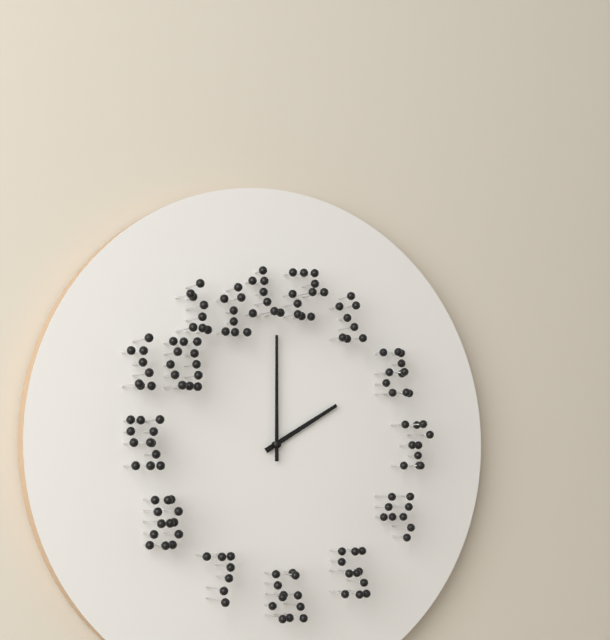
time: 2:00
